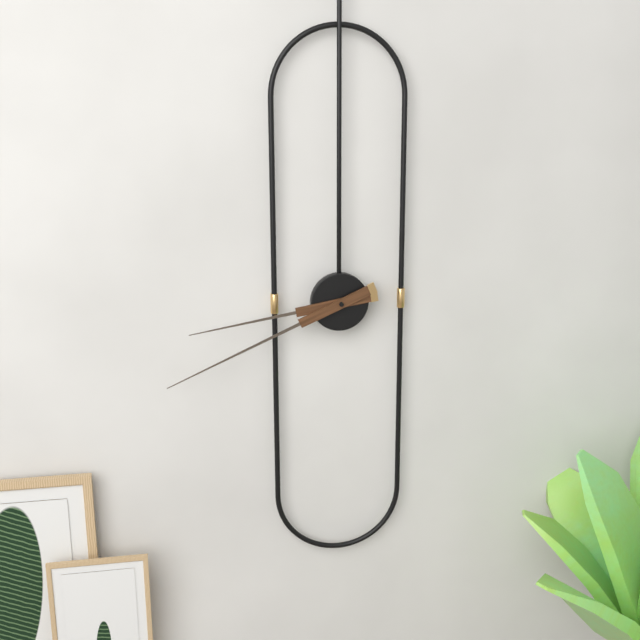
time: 8:41
